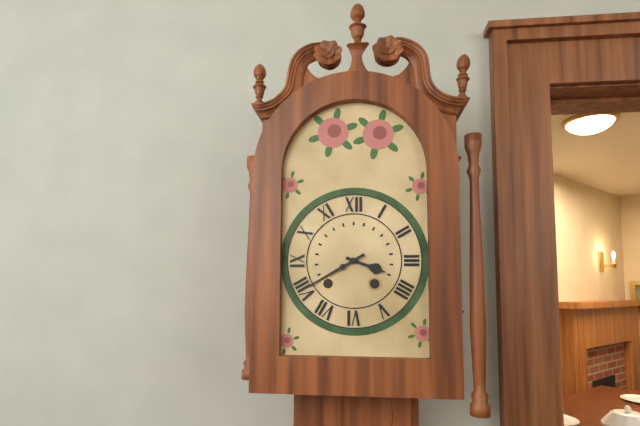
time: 3:40
